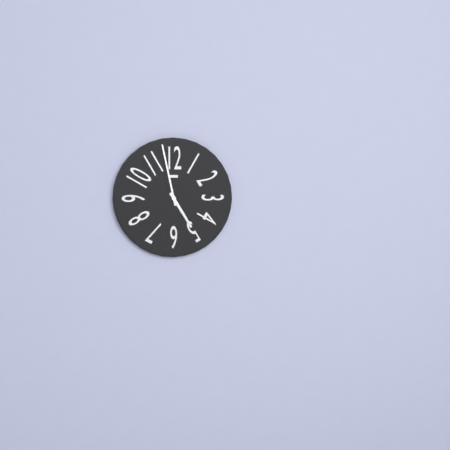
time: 4:58
